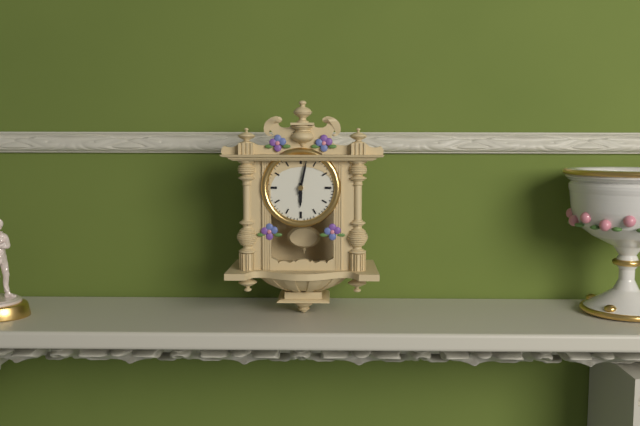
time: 6:02
